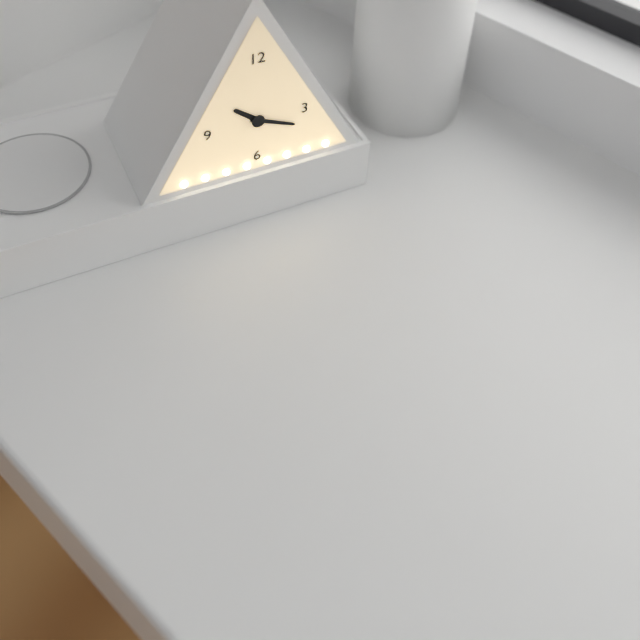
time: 10:19
